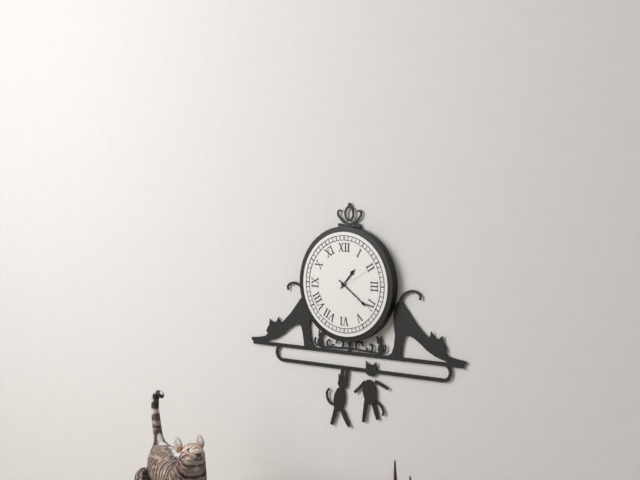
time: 1:21
